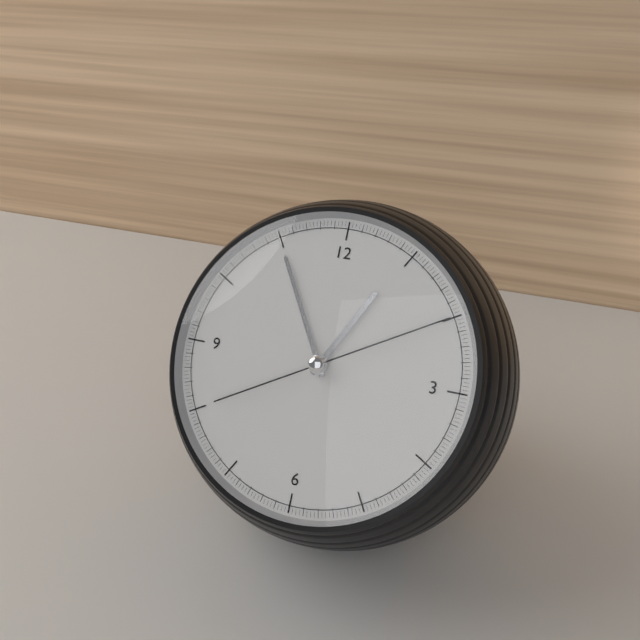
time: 12:55:10
